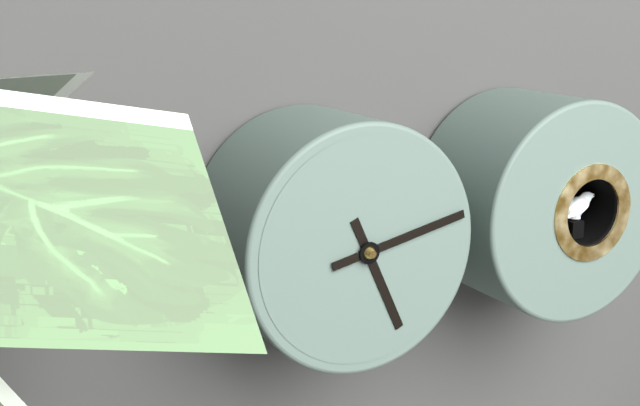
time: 5:13
